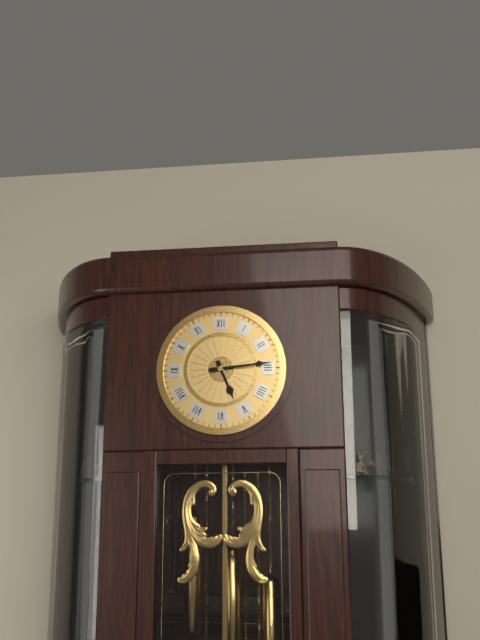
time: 5:14
